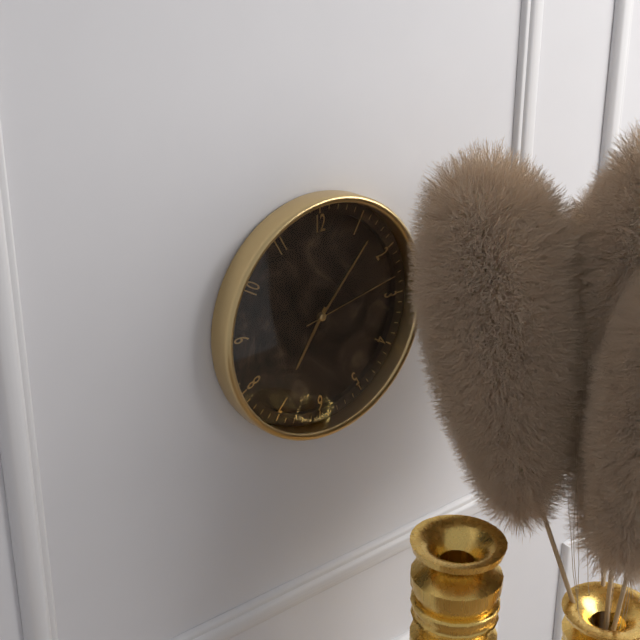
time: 7:07:13
